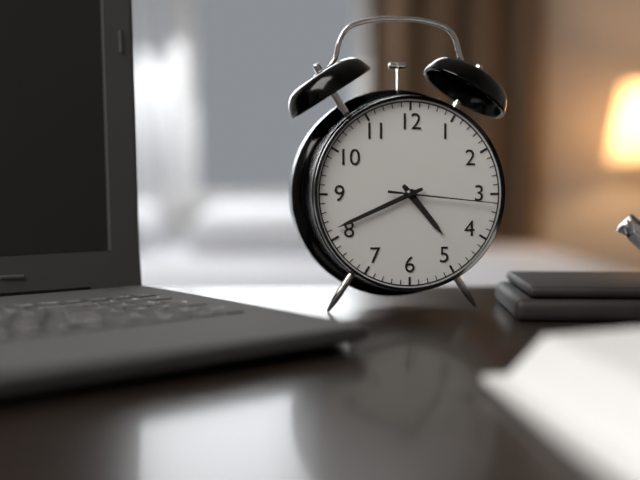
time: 4:41:16
